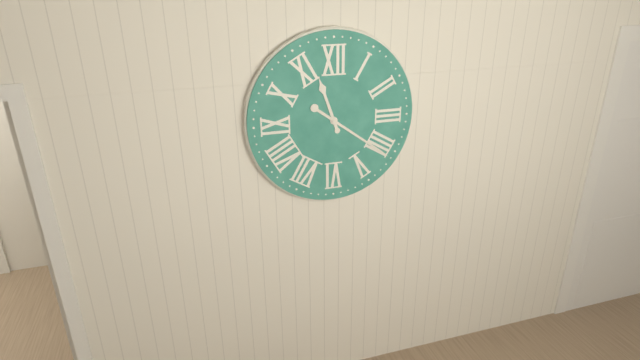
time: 11:21
